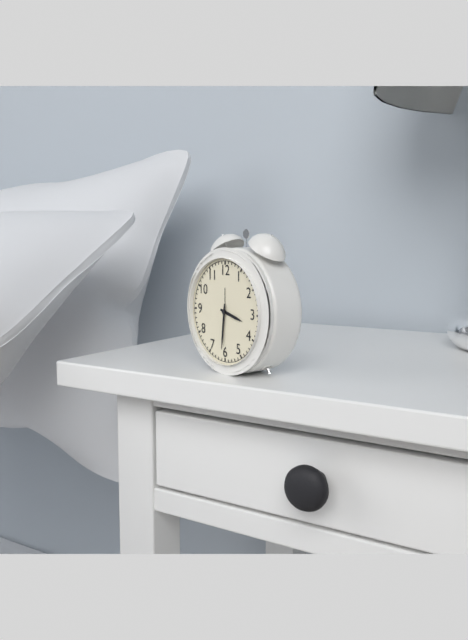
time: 3:31
